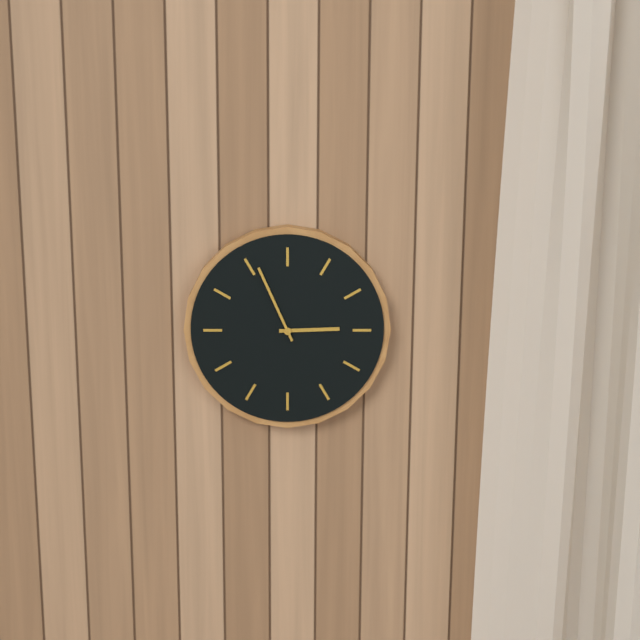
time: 2:56
